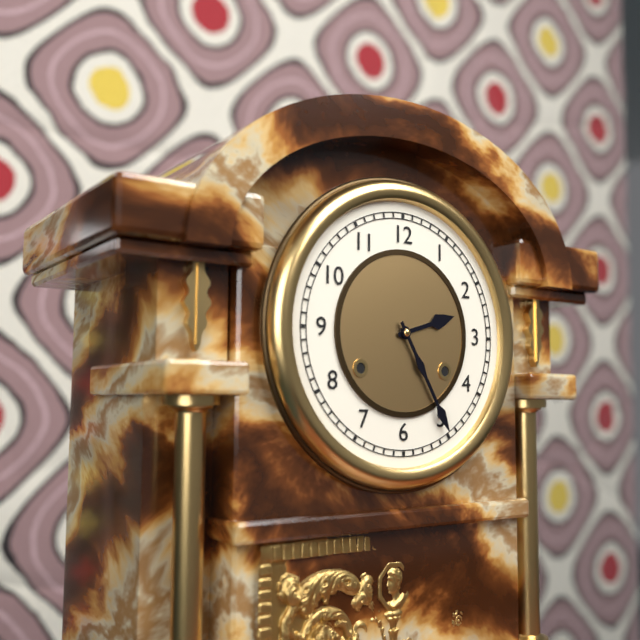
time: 2:25
